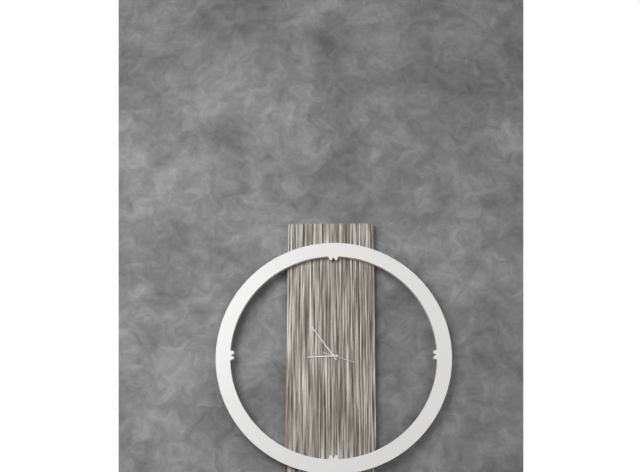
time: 8:54
